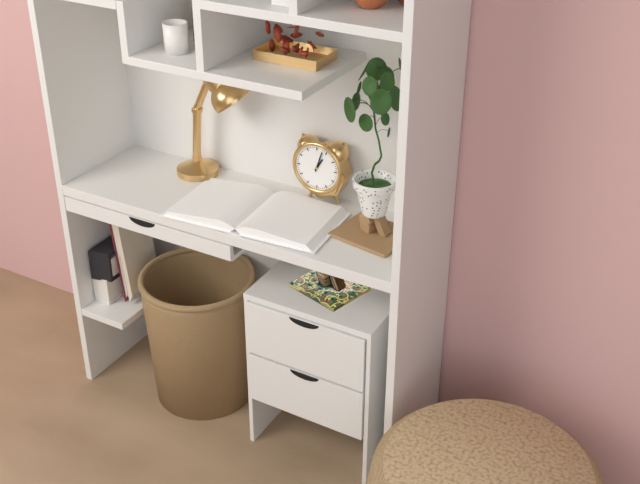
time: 1:03
